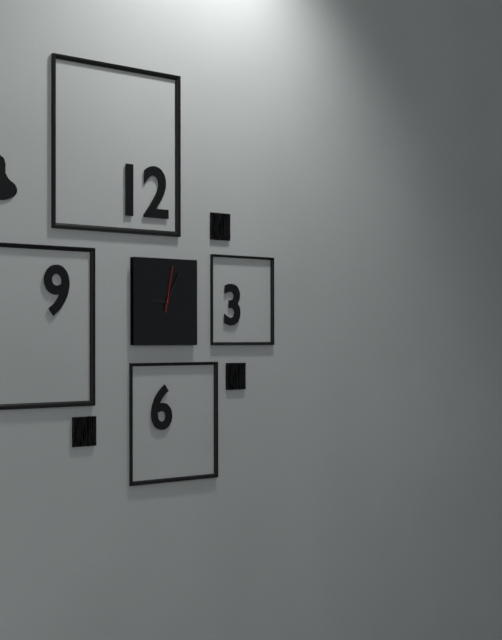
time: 9:05
